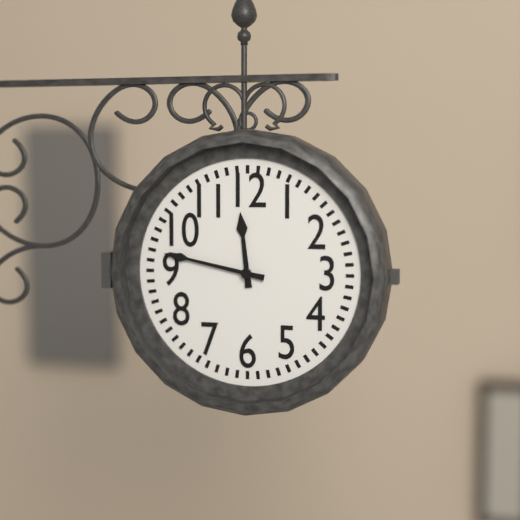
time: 11:47
